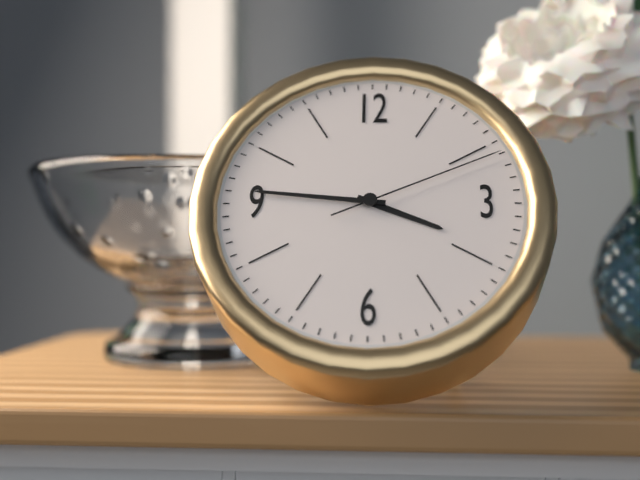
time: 3:46:11
